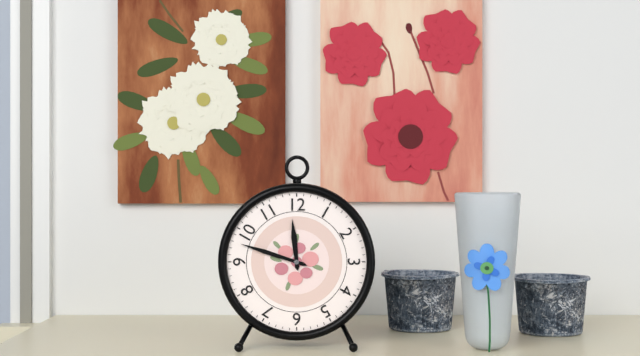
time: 11:48
